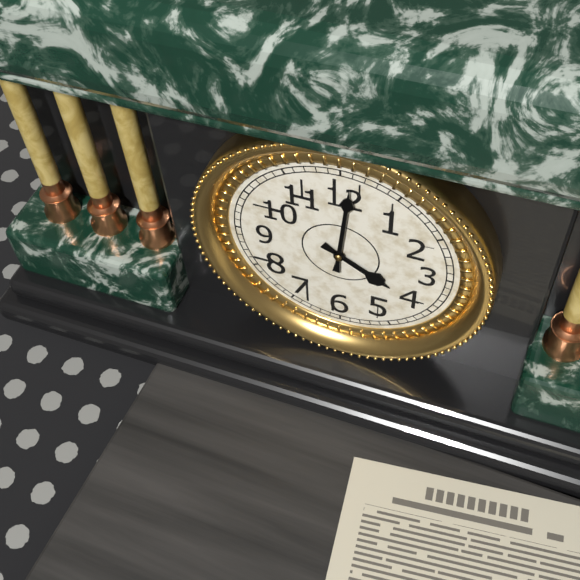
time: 4:01
